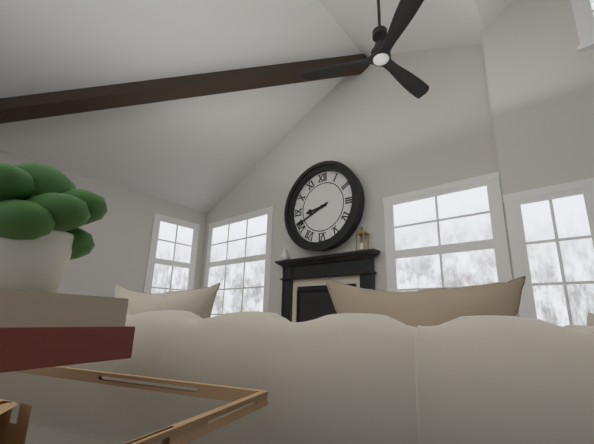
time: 8:41
